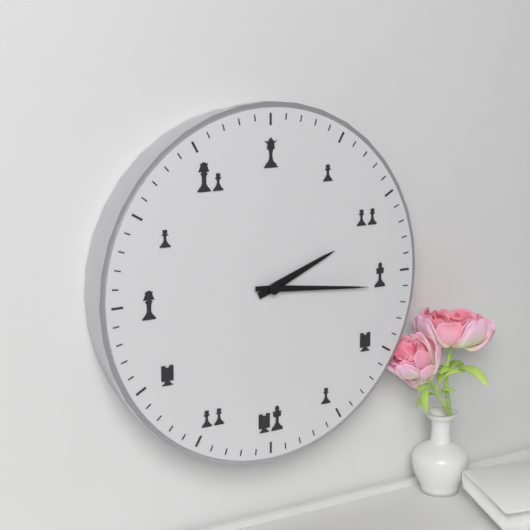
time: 2:16
